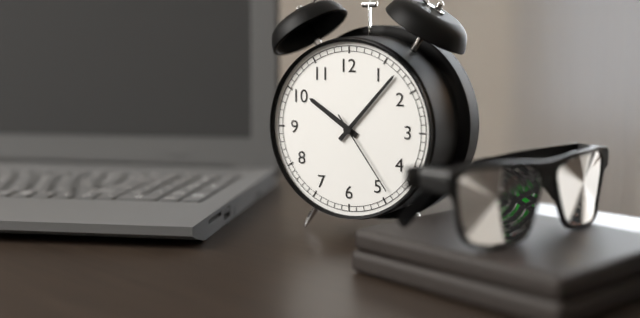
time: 10:07:24
